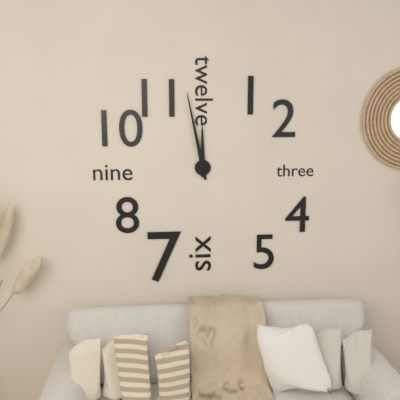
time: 11:58
